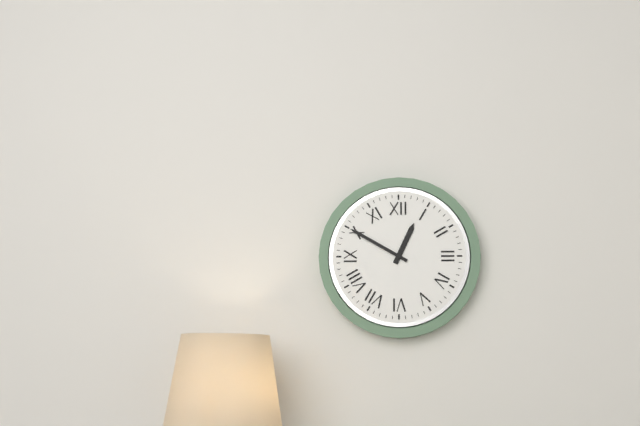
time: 12:50
